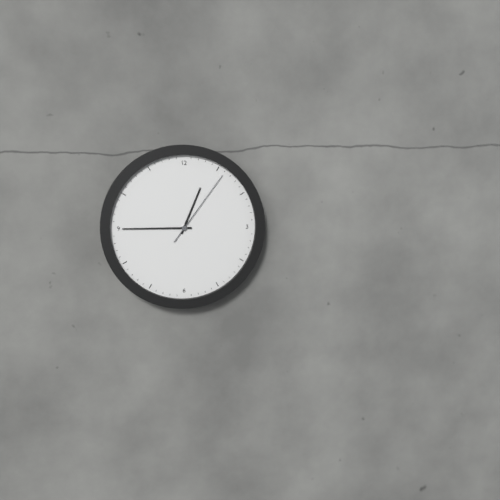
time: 12:45:06
